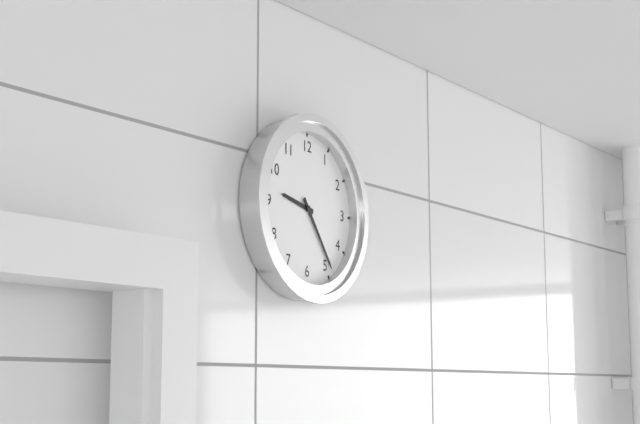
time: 9:24
